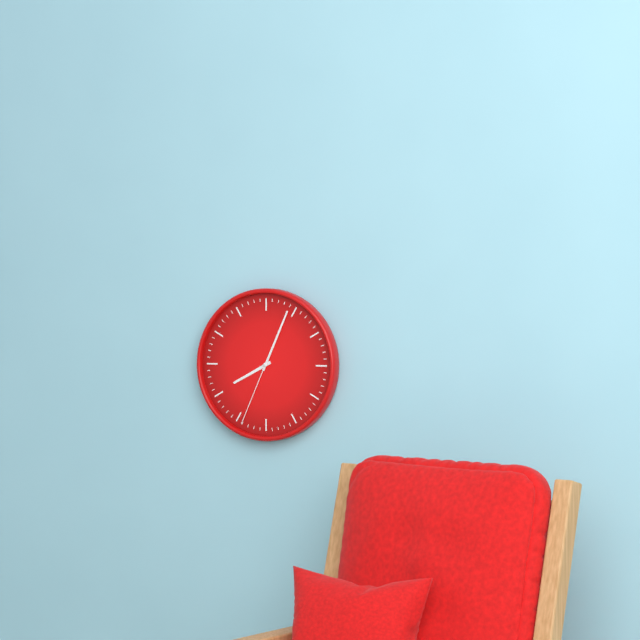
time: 8:04:34
